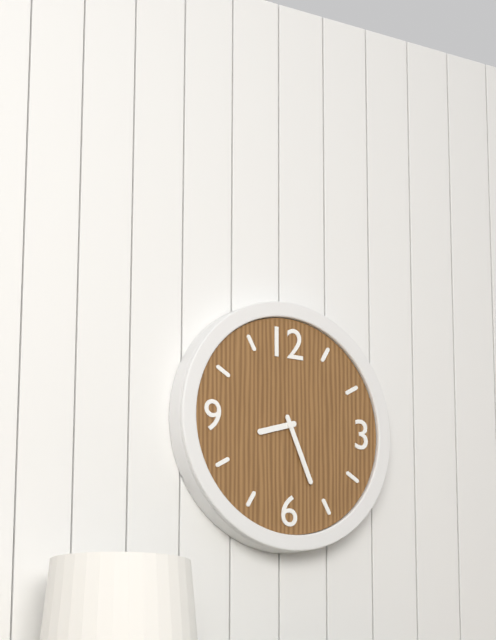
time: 8:26
